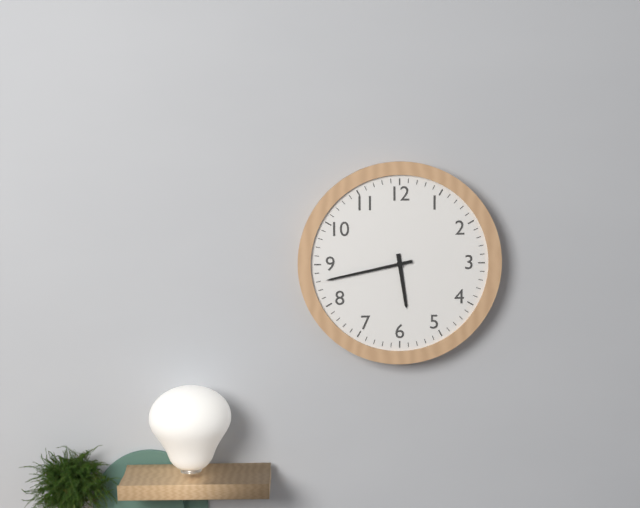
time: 5:43
